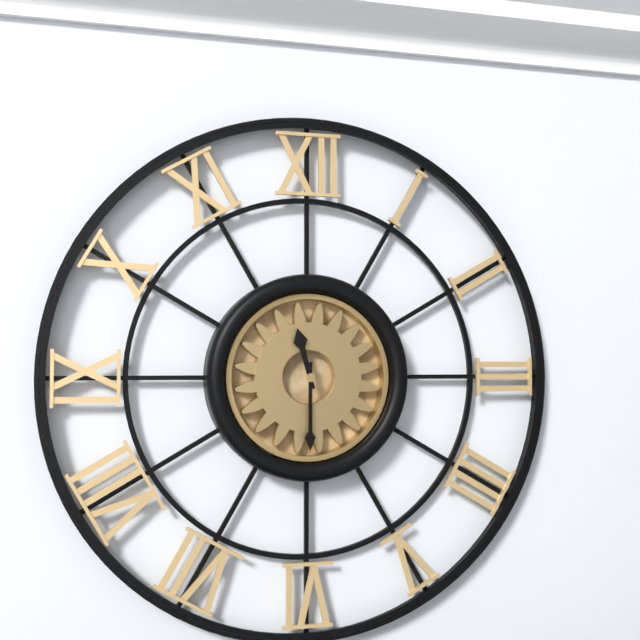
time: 11:30
